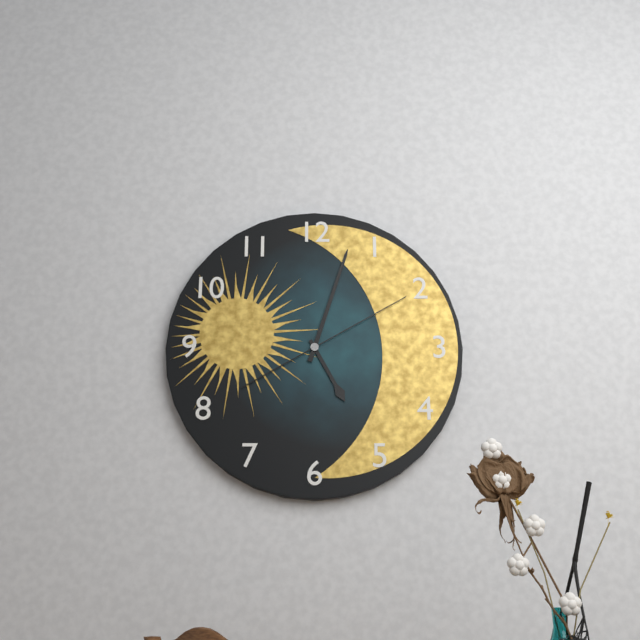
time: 5:03:10
